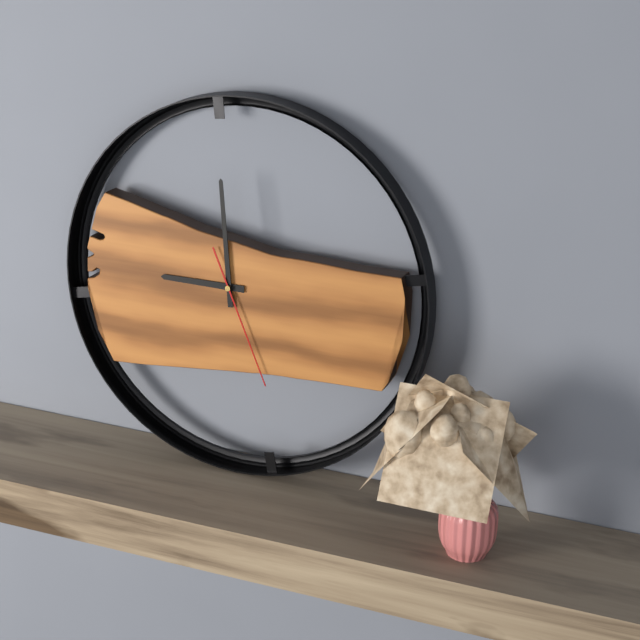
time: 8:59:26
